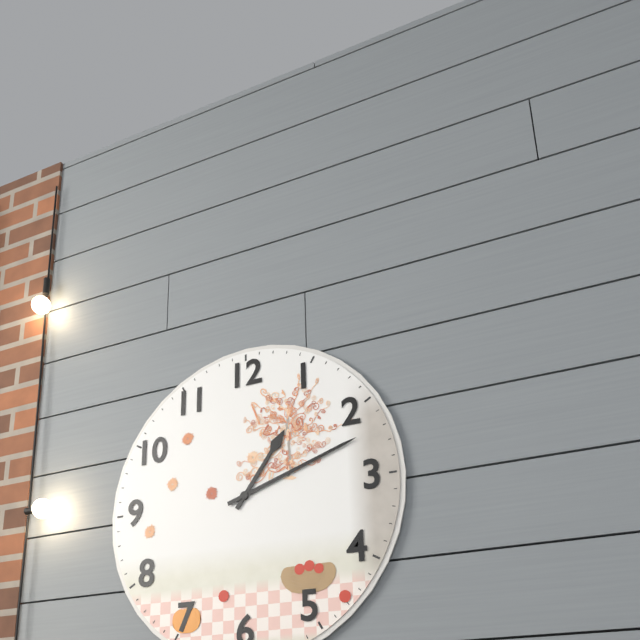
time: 1:12
